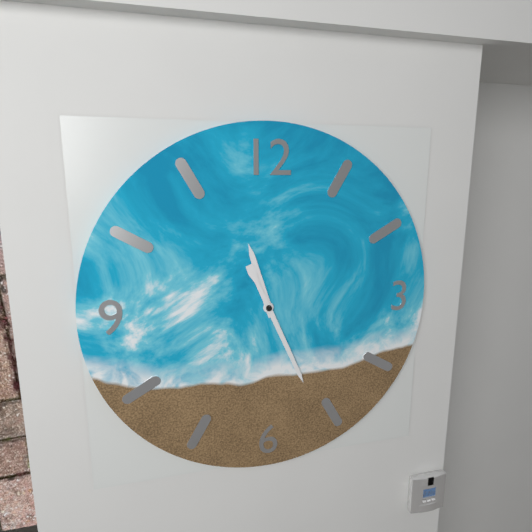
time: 11:26
